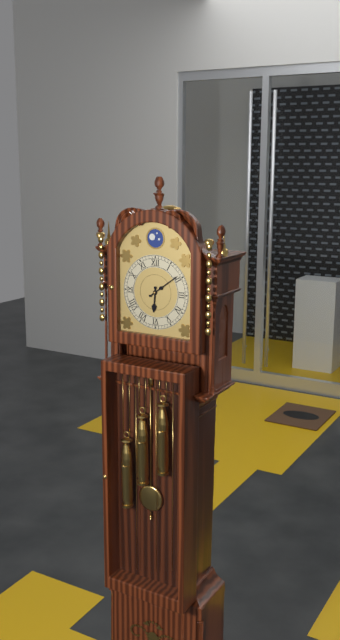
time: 6:09
